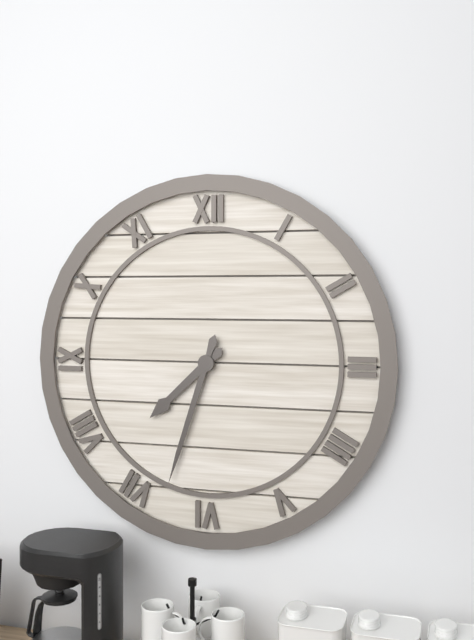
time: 7:33
